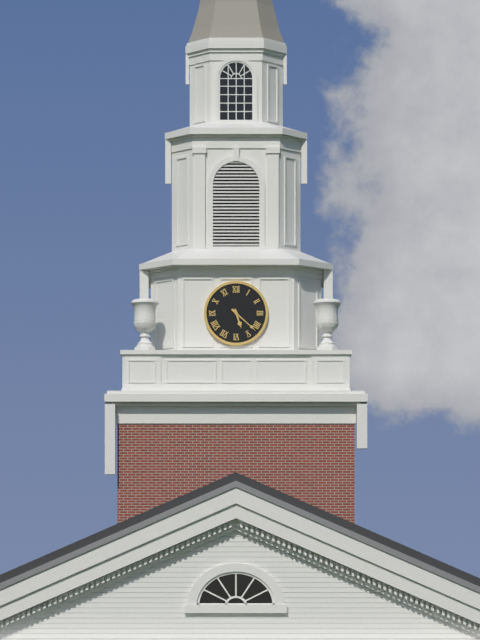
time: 5:22
